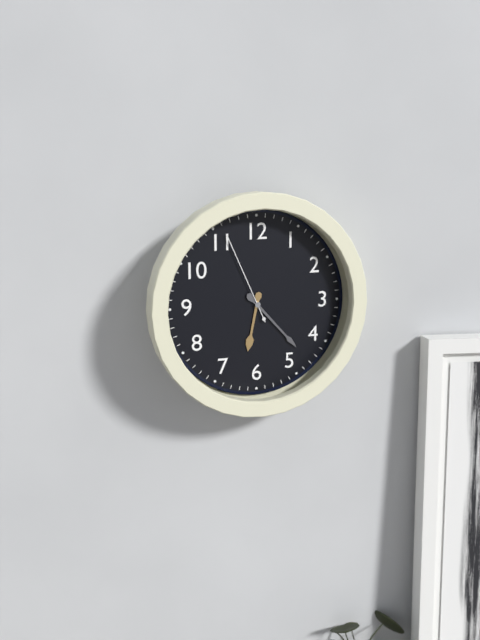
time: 6:23:56
